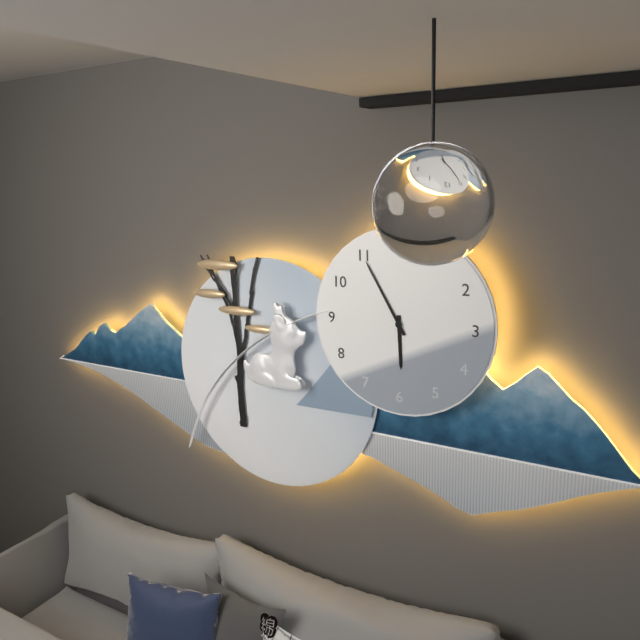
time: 5:55
